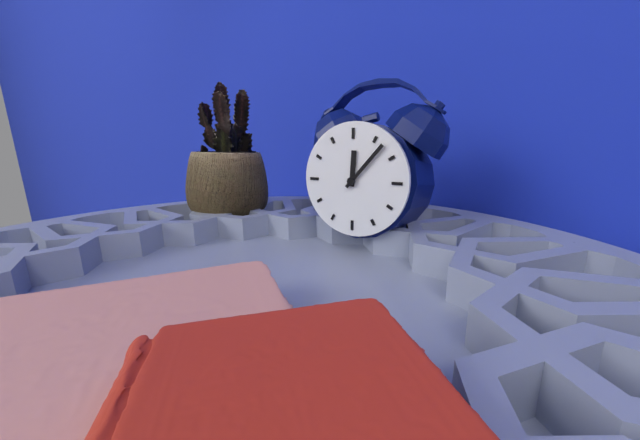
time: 12:07
